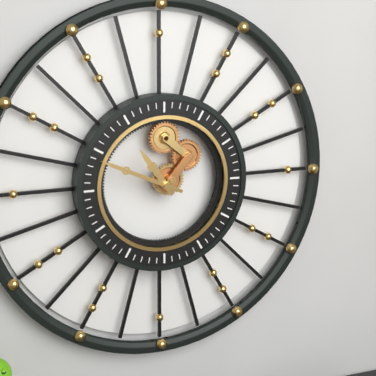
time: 10:49
